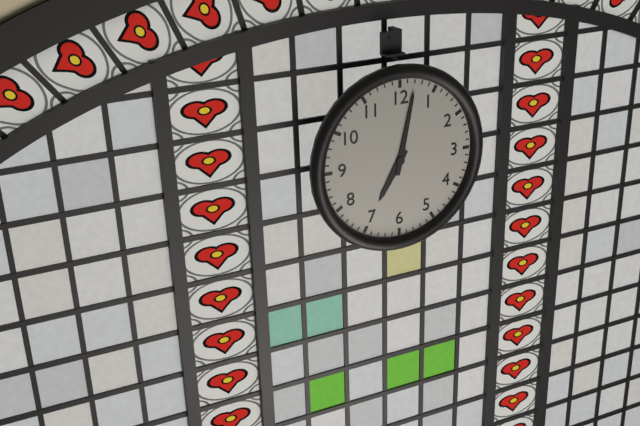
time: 7:02
